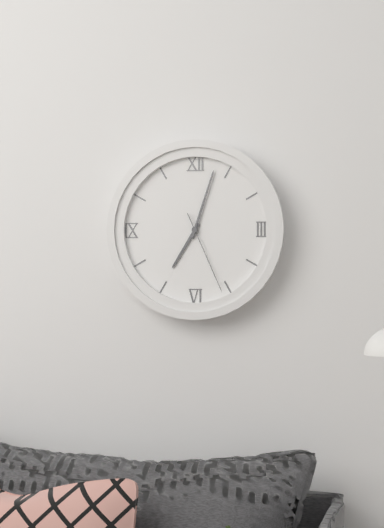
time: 7:03:26
